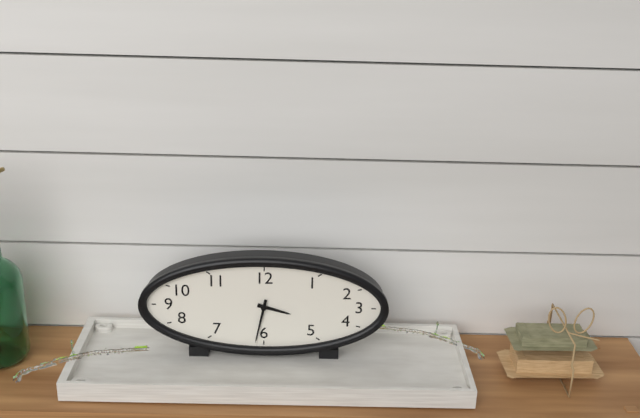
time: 3:32
